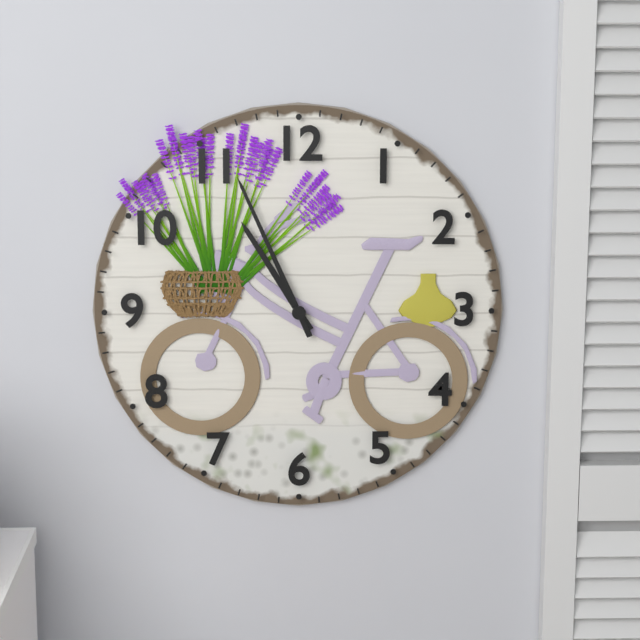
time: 10:56
